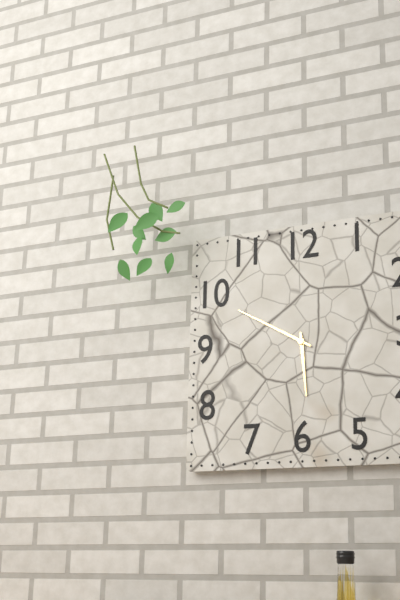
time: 5:50
